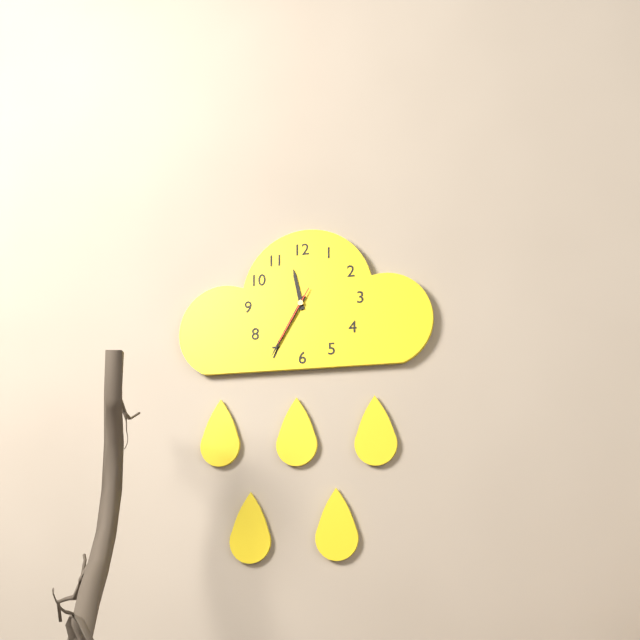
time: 11:35:35
